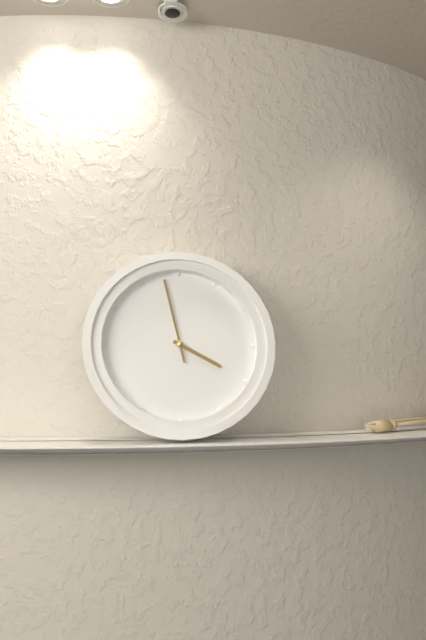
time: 3:58
